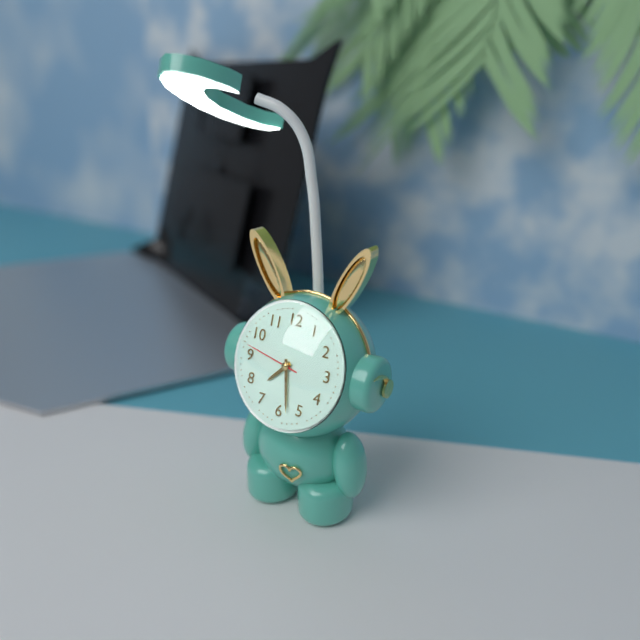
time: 7:28:47
